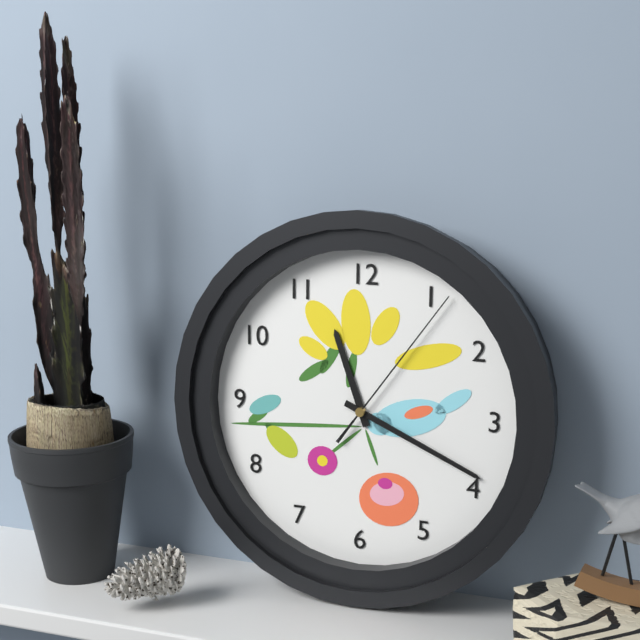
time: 11:19:06
